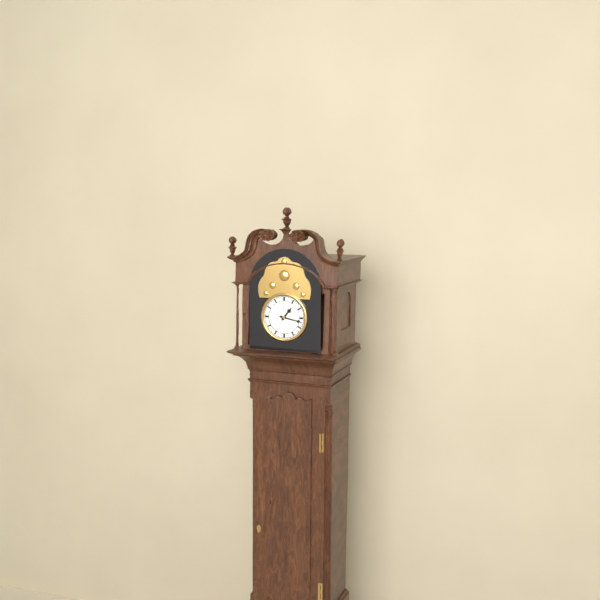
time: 1:17
